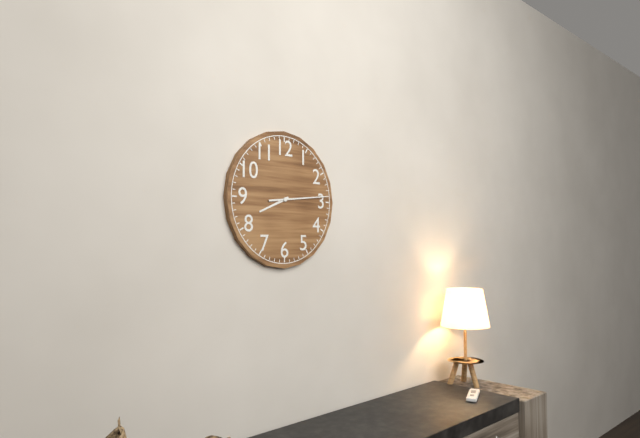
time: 8:14
